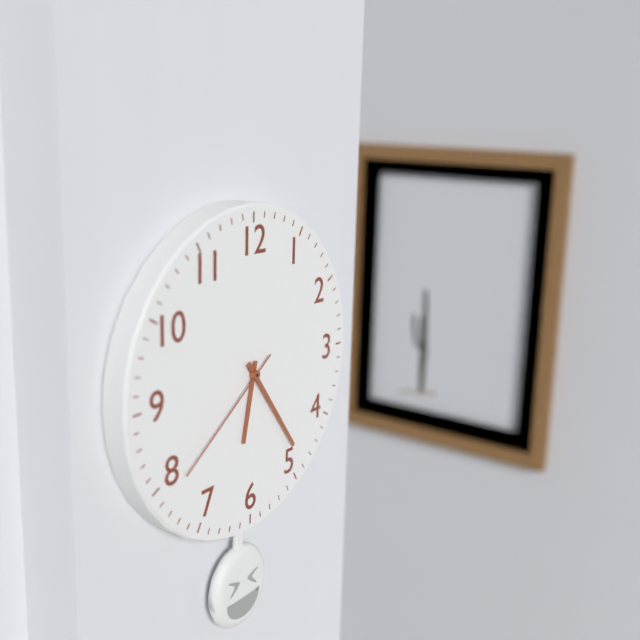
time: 6:24:39
